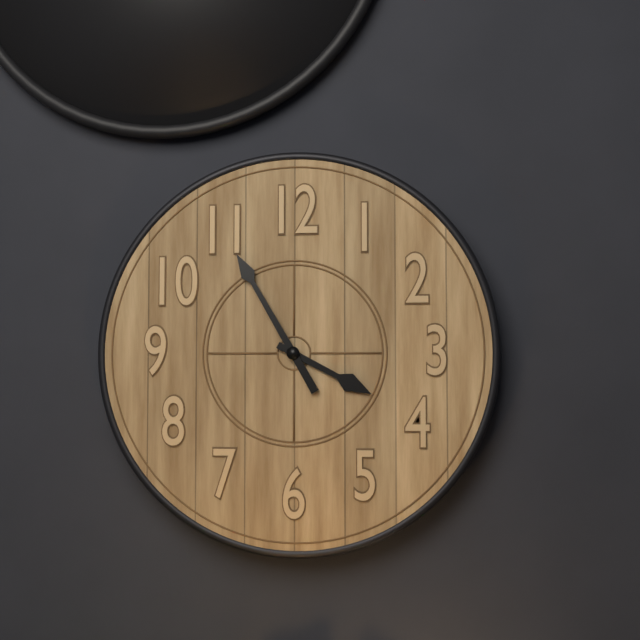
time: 3:55
